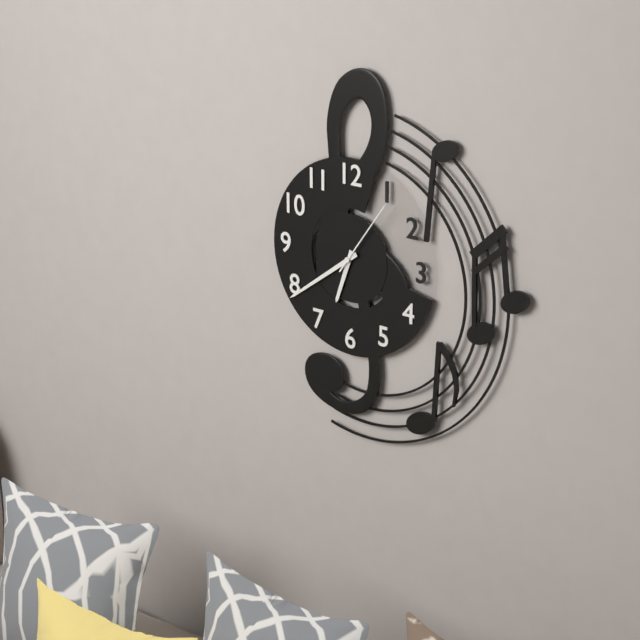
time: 6:39:06
